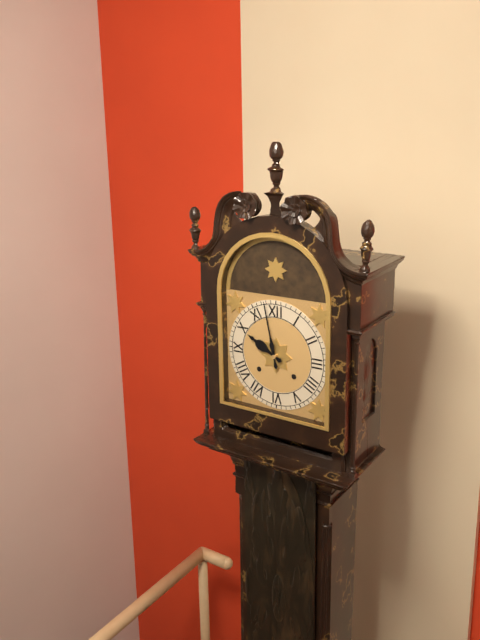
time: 9:58
